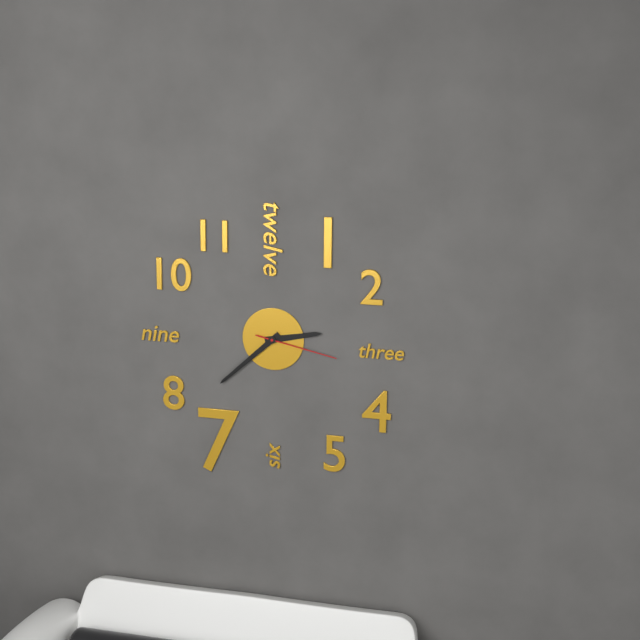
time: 2:38:17
